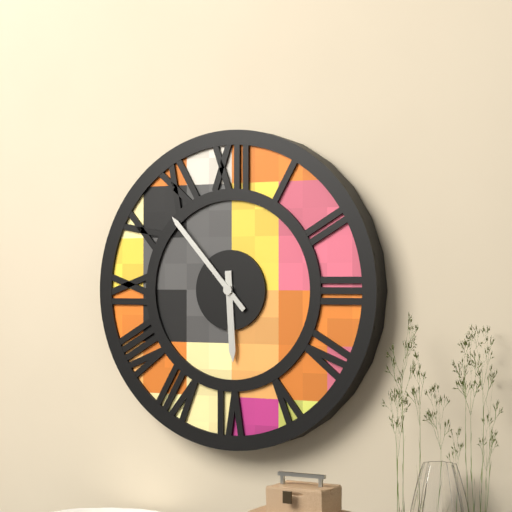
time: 5:53
